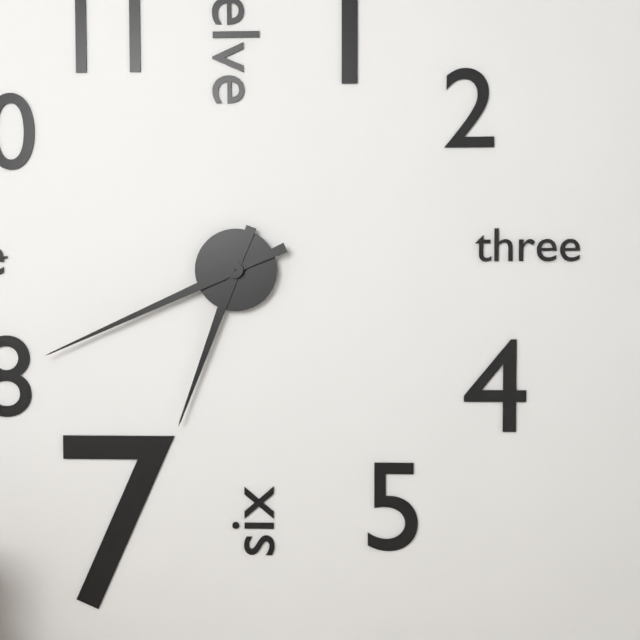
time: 6:41
